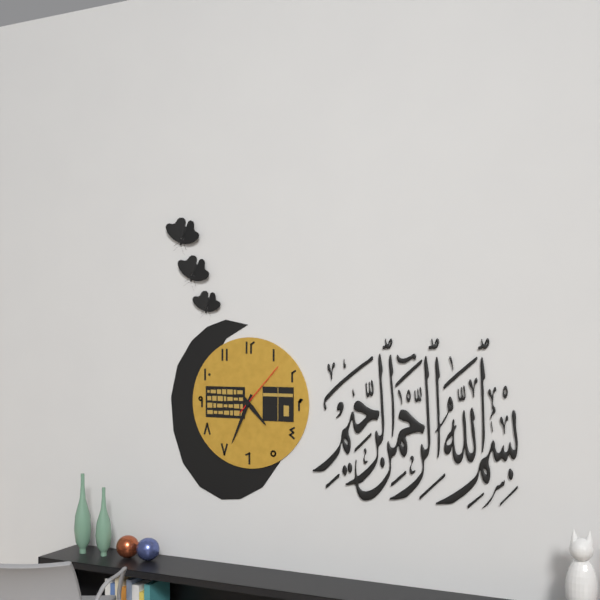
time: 4:34:07
